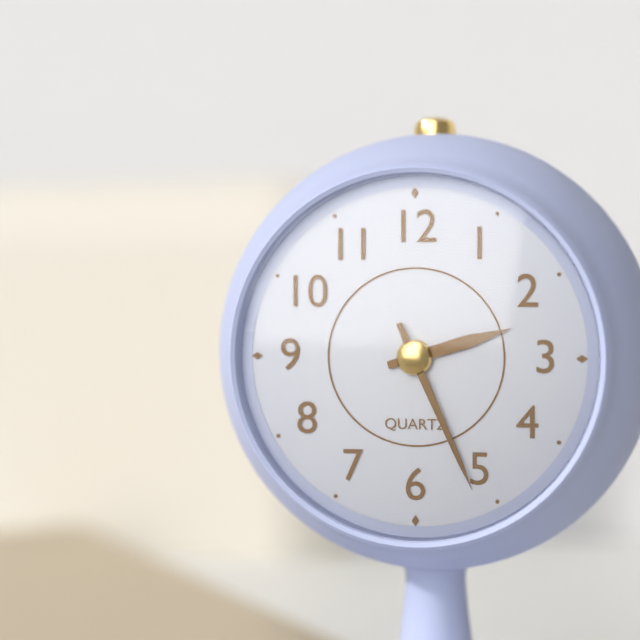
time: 2:26
